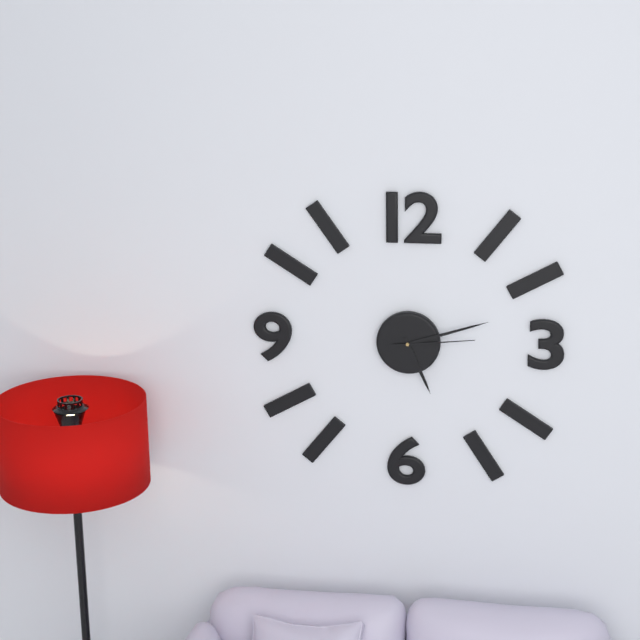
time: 5:12:14
